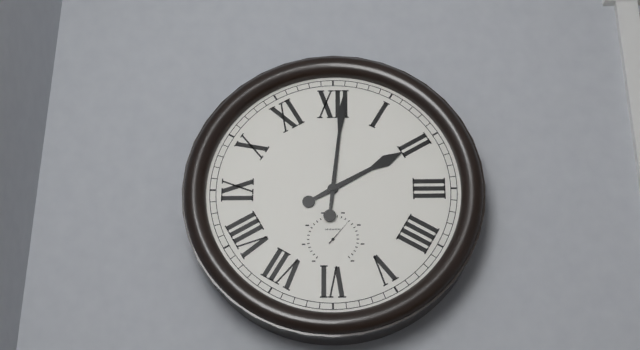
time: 2:01
